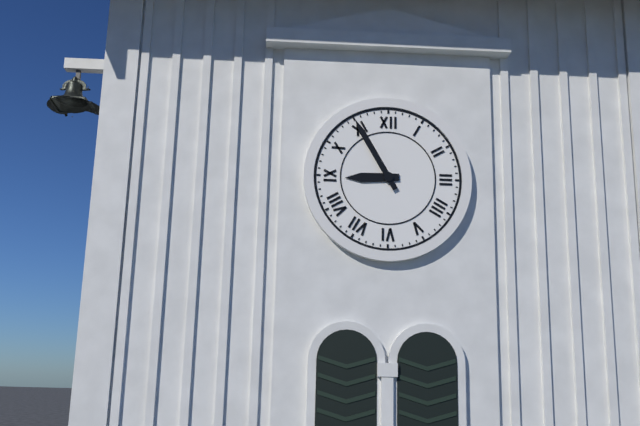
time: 8:55
